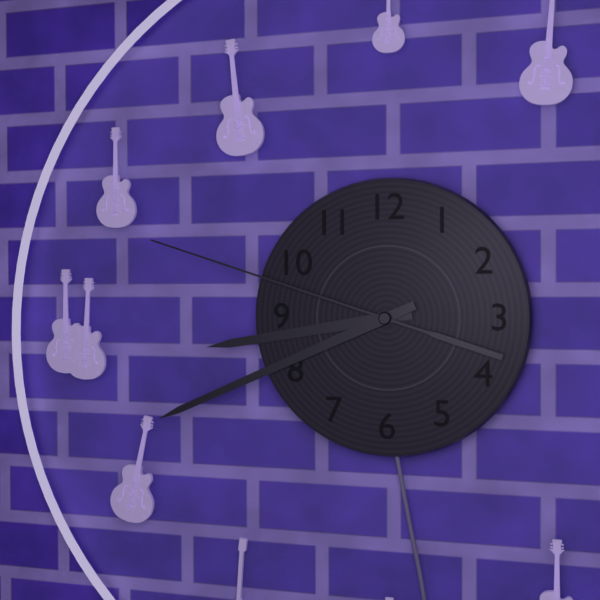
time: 8:41:48
